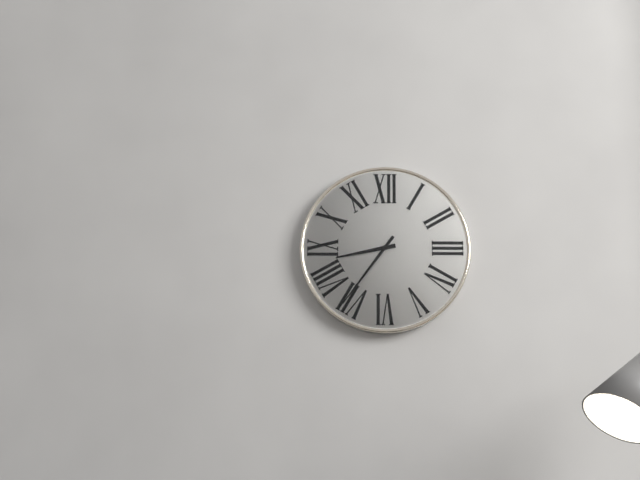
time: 8:36
